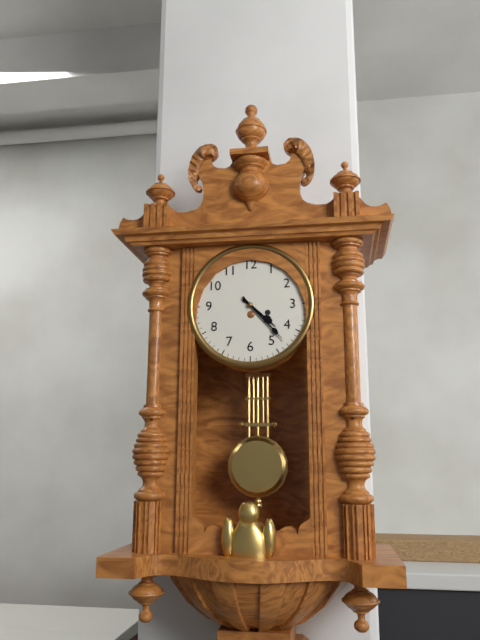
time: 4:23
